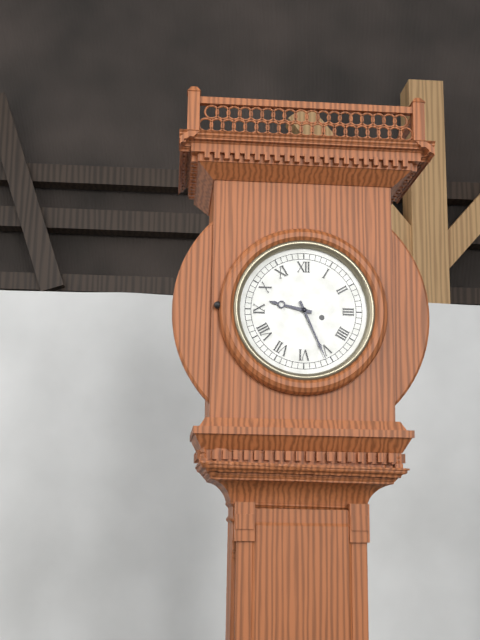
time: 9:26
